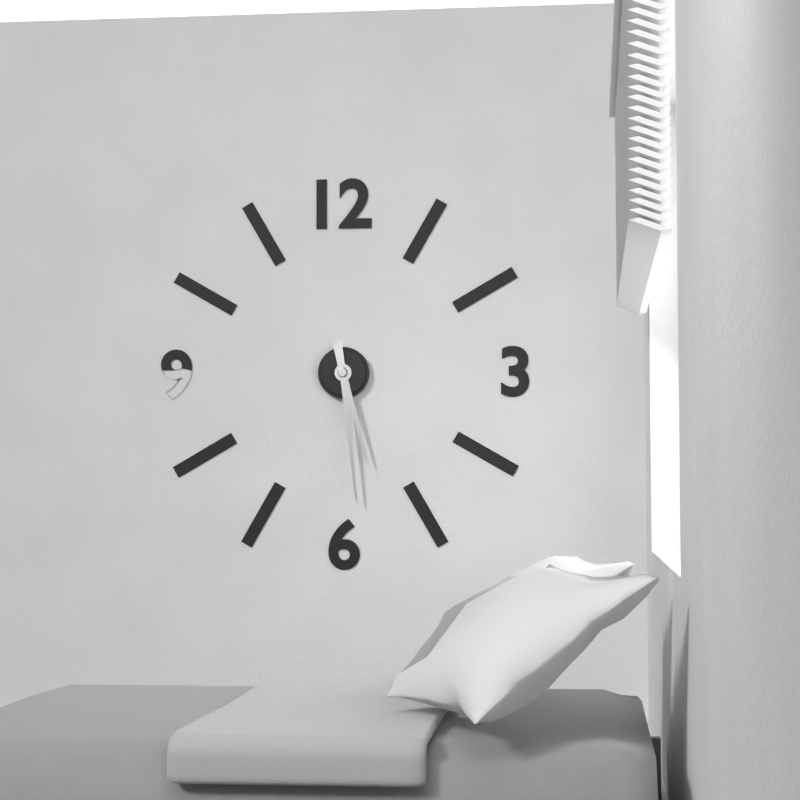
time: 5:29
